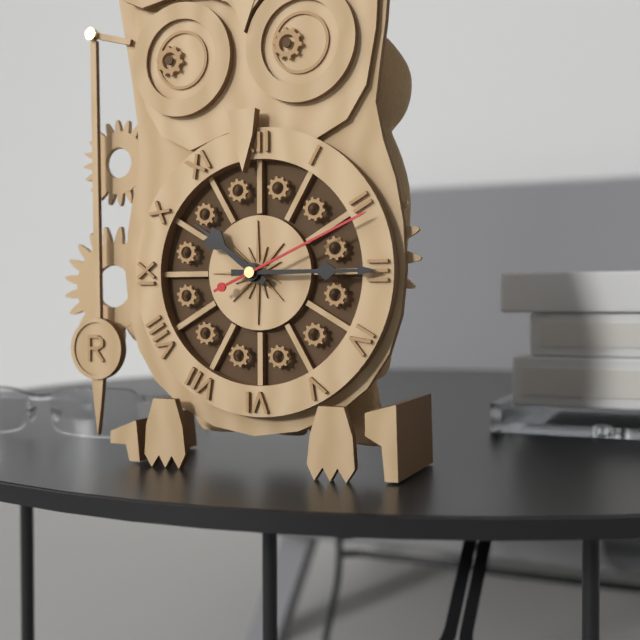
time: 10:15:11
